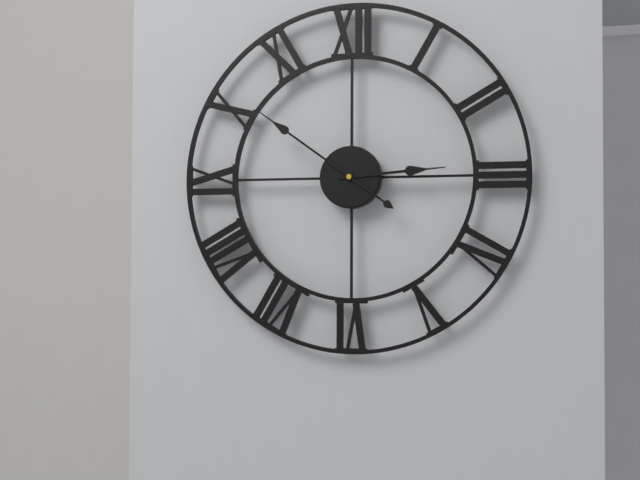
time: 2:51
